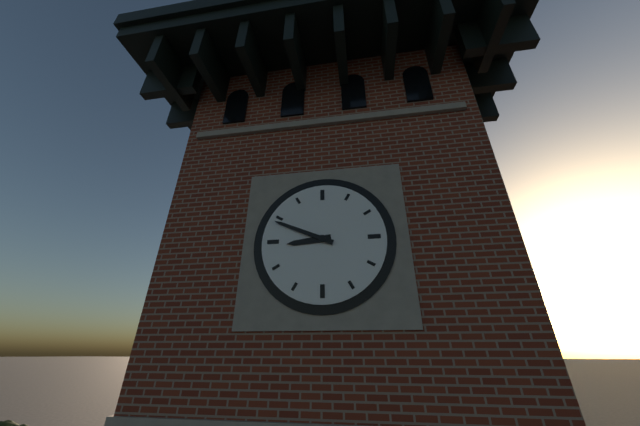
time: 8:49
